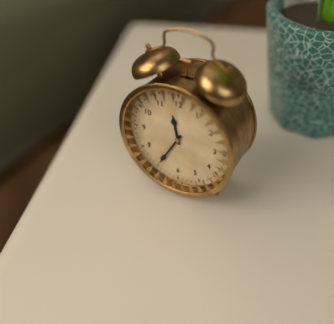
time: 11:35
